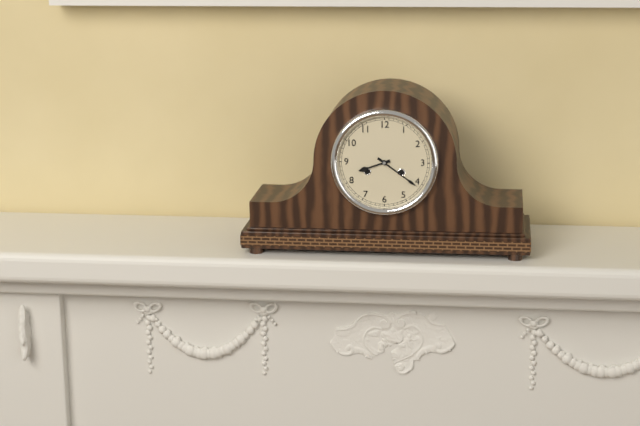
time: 8:21
